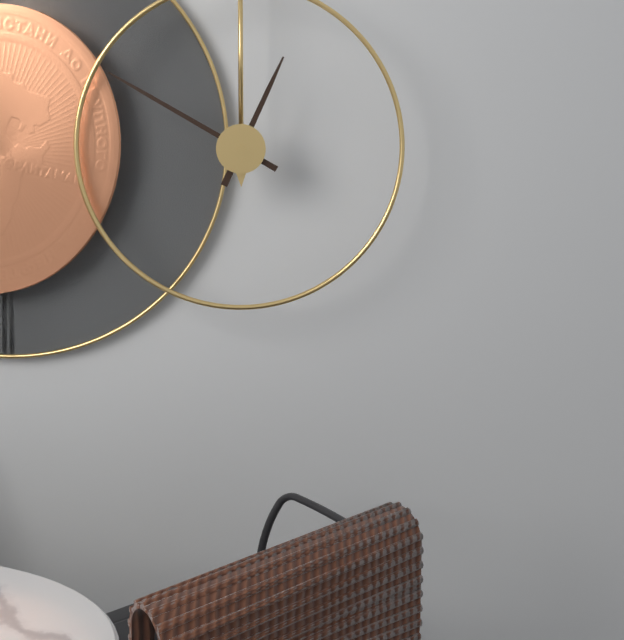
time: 12:50
